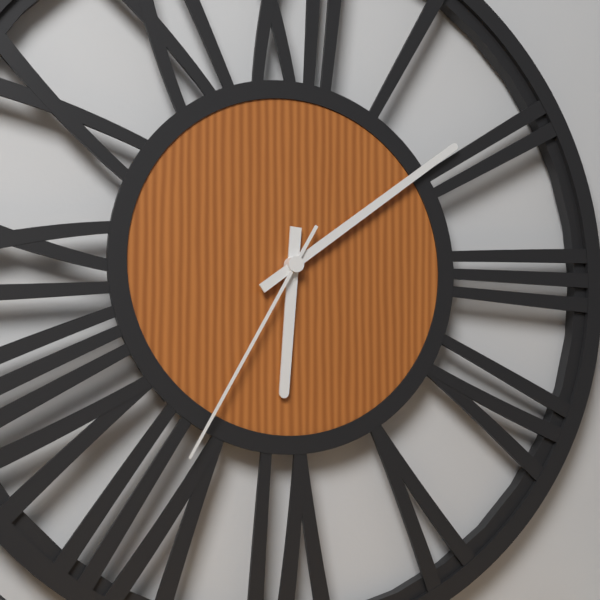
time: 6:09:35
